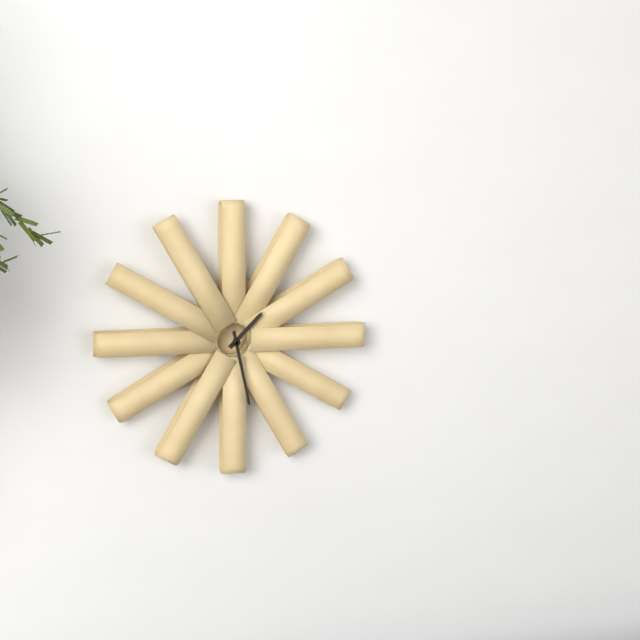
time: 1:28
